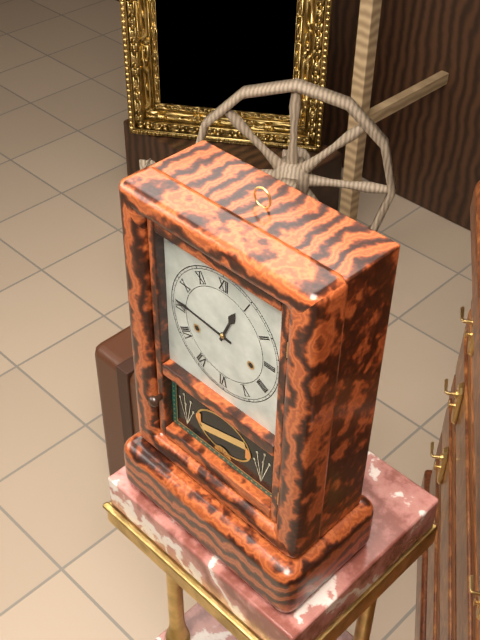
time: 12:46
